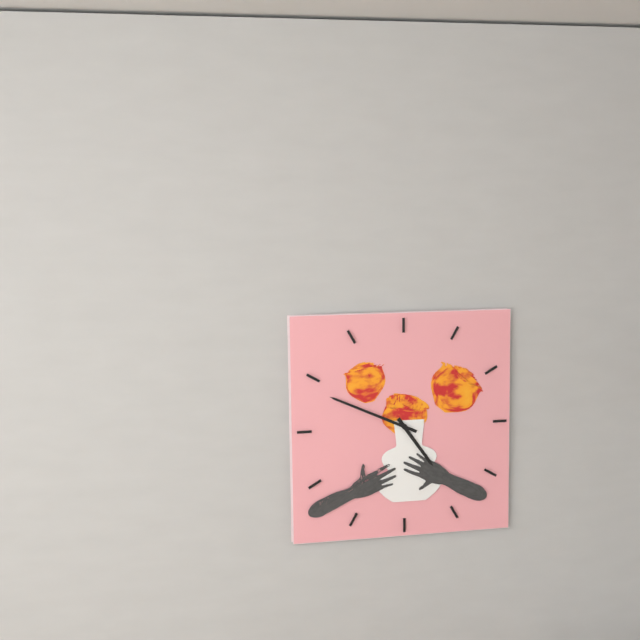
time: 4:49
